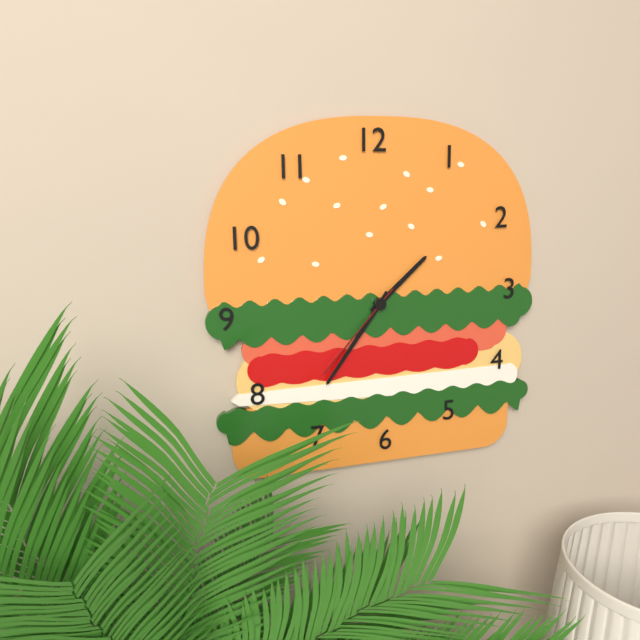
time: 1:36:37
